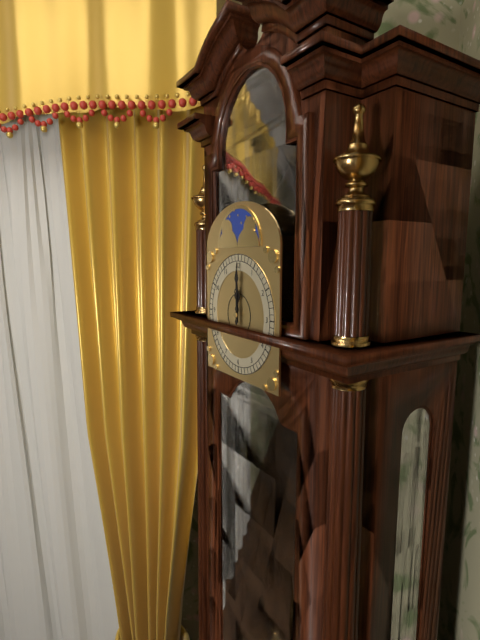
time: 12:00
